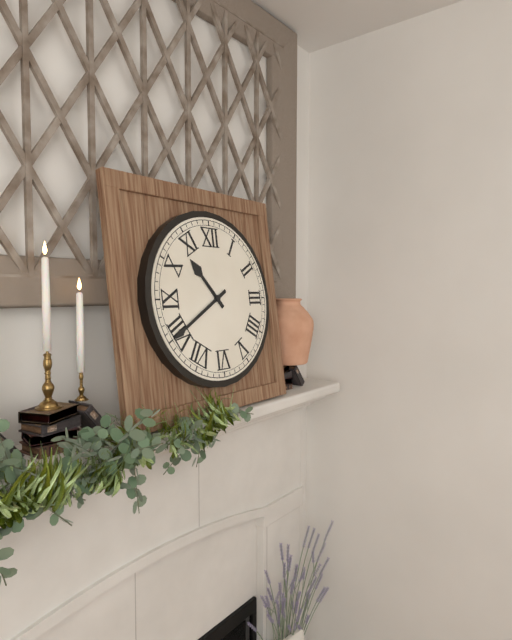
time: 10:40
